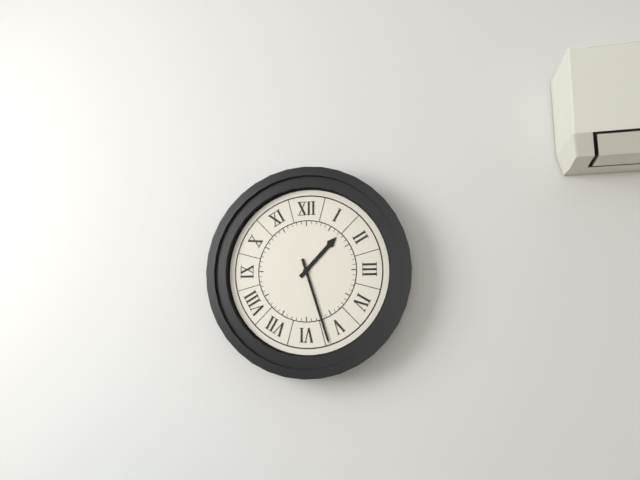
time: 1:27
